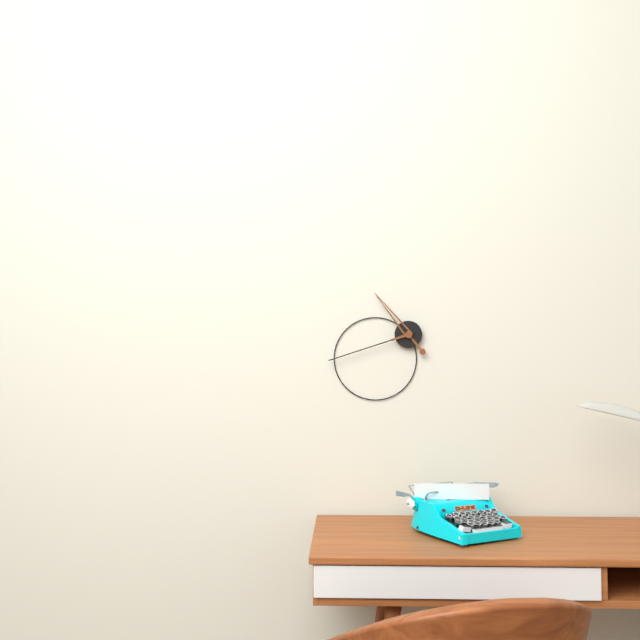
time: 10:42
